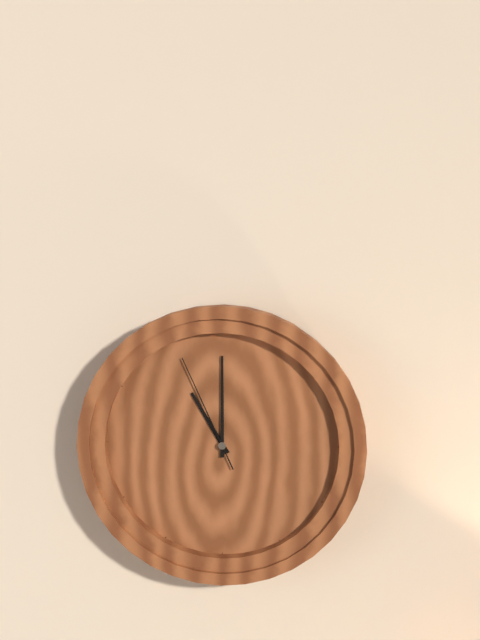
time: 11:00:56
